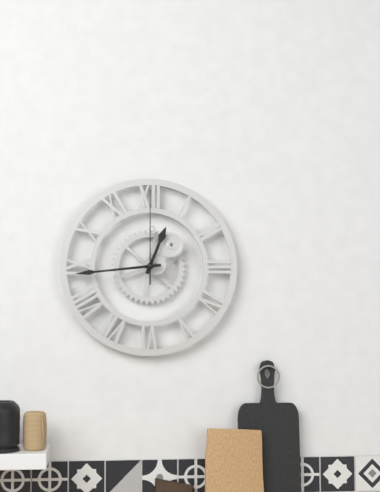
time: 12:44:00
